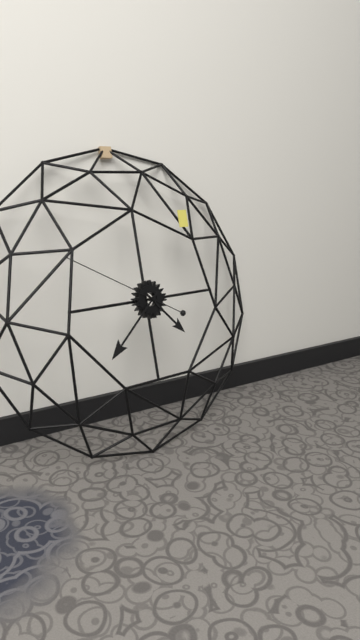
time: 4:38:50
